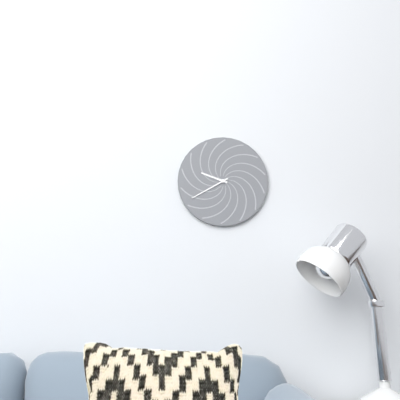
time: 9:40
